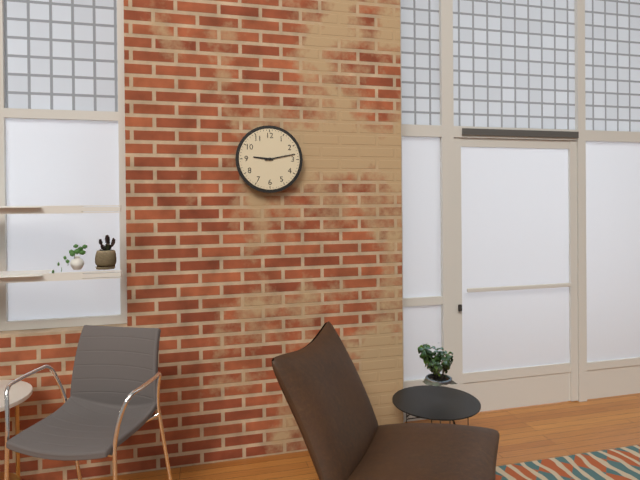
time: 9:13
